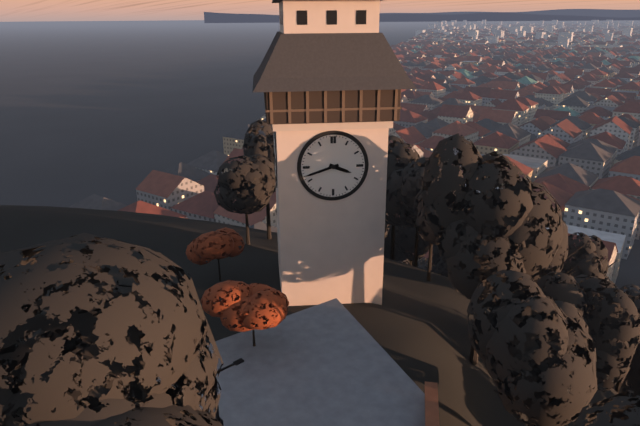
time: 3:42
